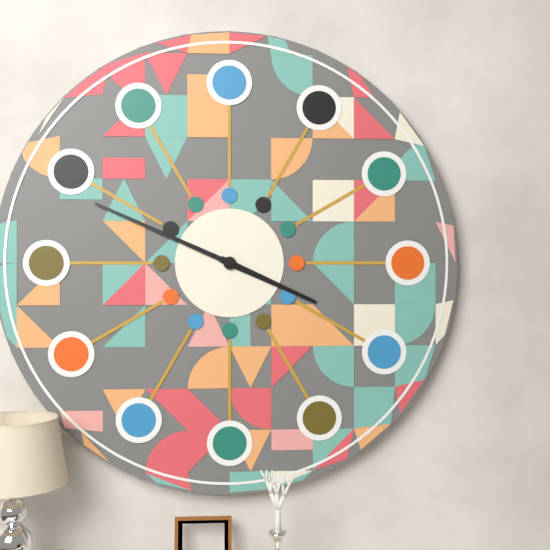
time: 3:49
